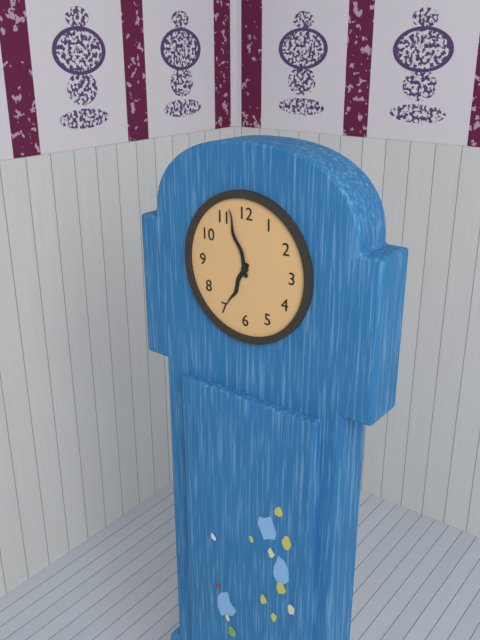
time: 6:57
